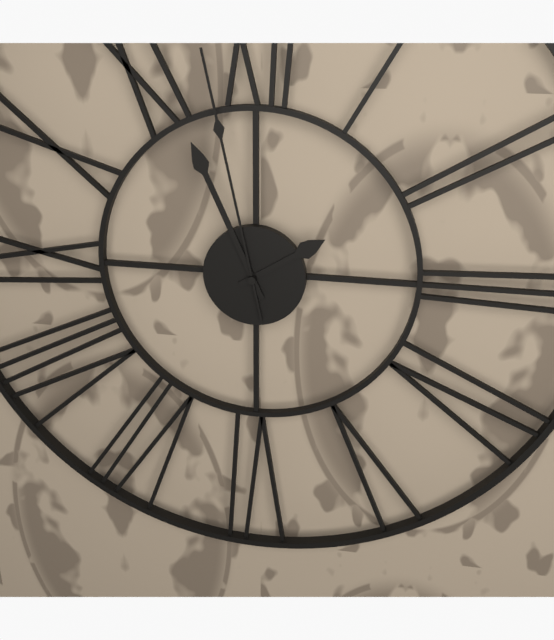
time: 1:56:58
